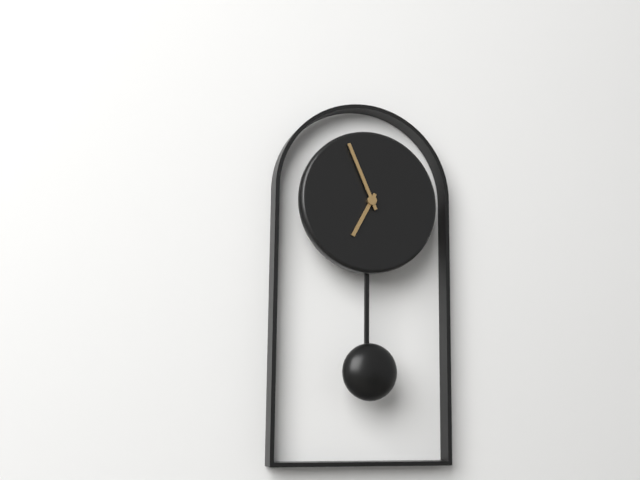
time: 6:56
